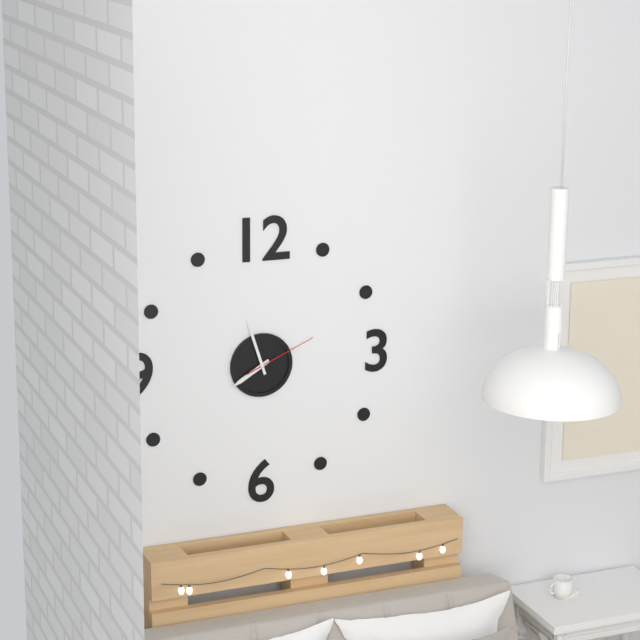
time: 7:57:11
